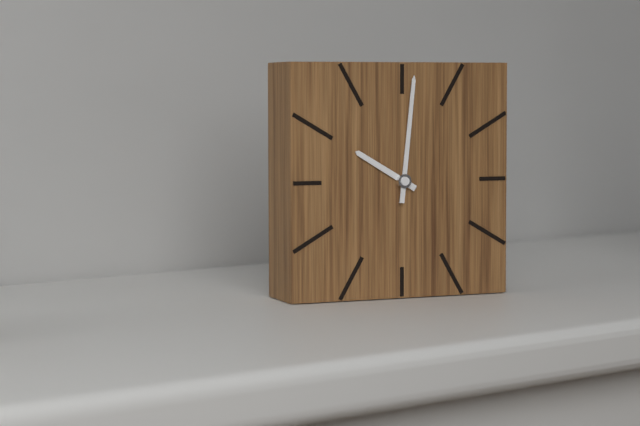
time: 10:01
